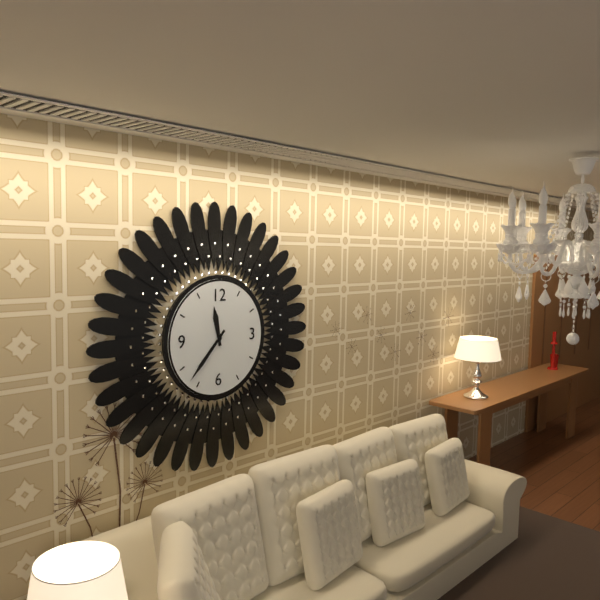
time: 11:37
